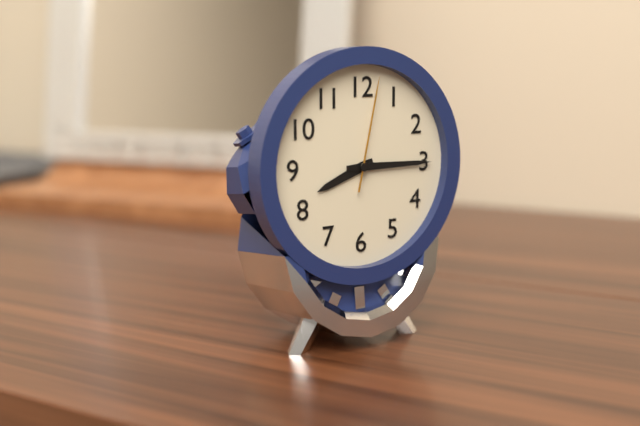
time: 8:15:02
